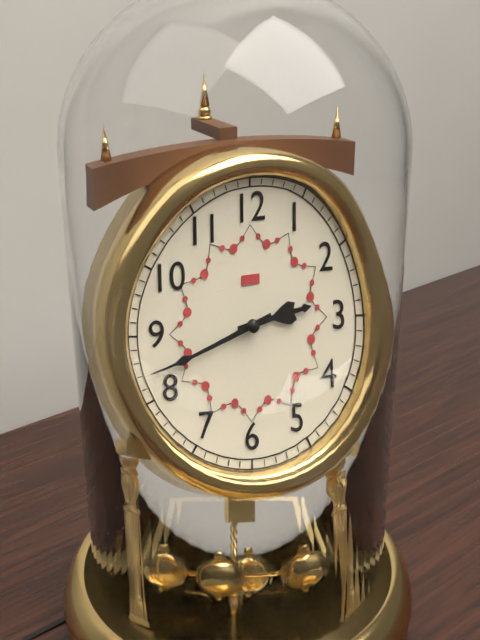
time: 2:42
